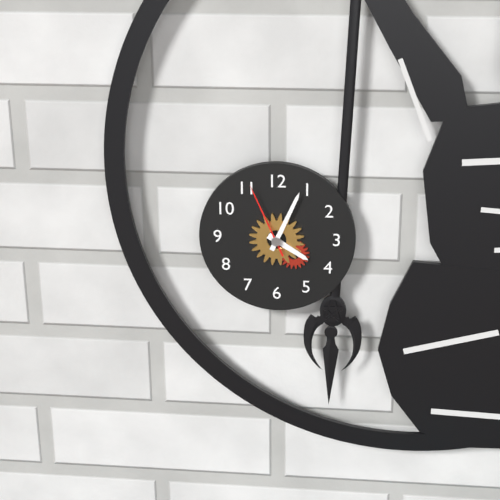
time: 4:04:56
